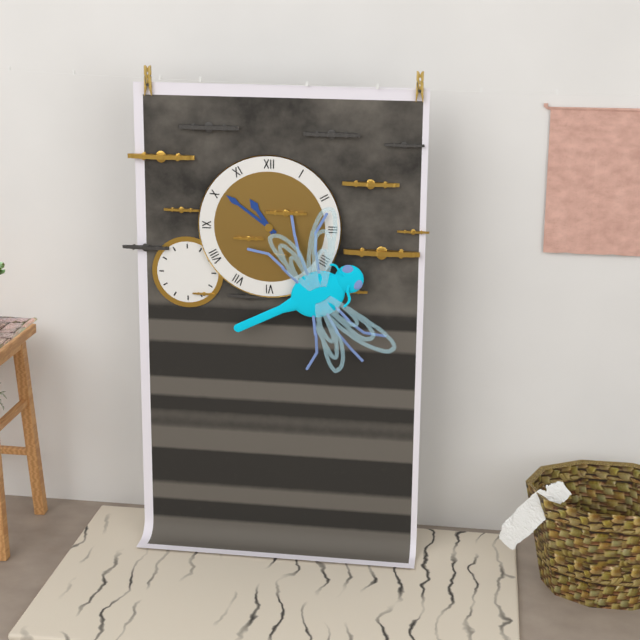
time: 10:51
